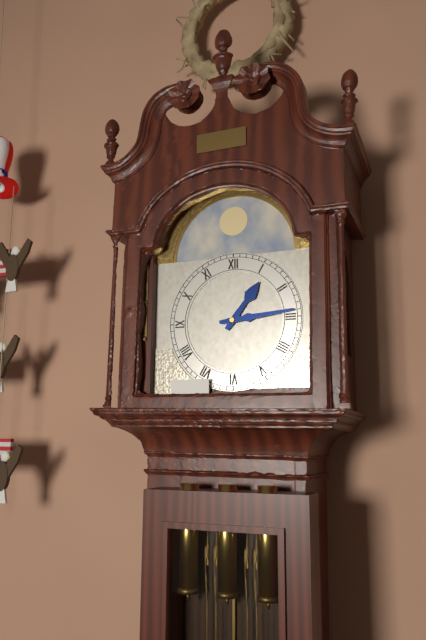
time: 1:14
